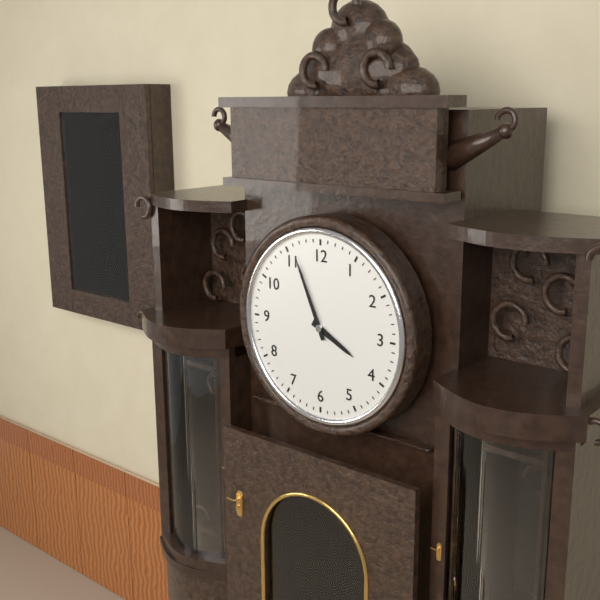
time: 3:56
